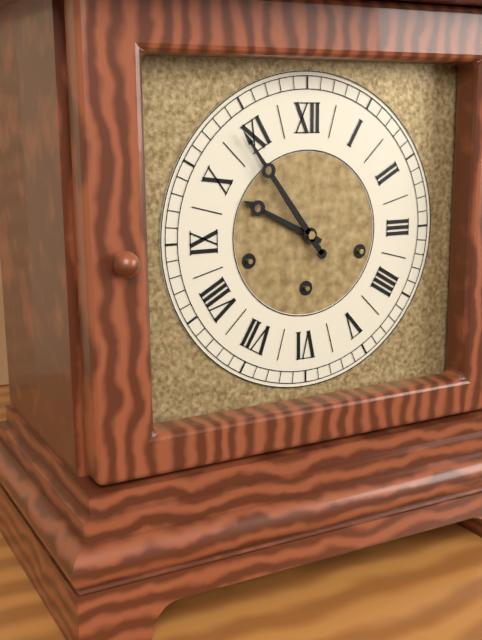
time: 9:54
